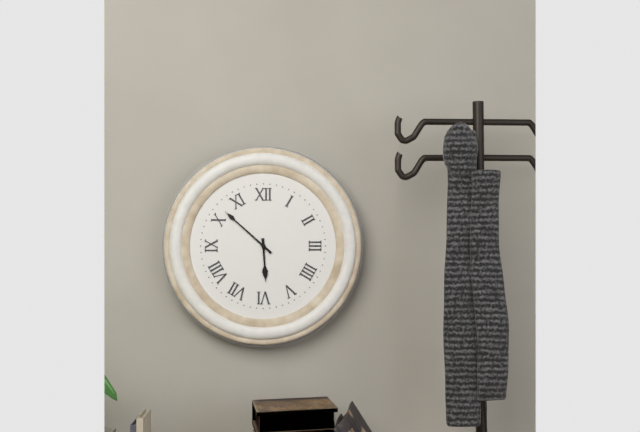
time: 5:52
